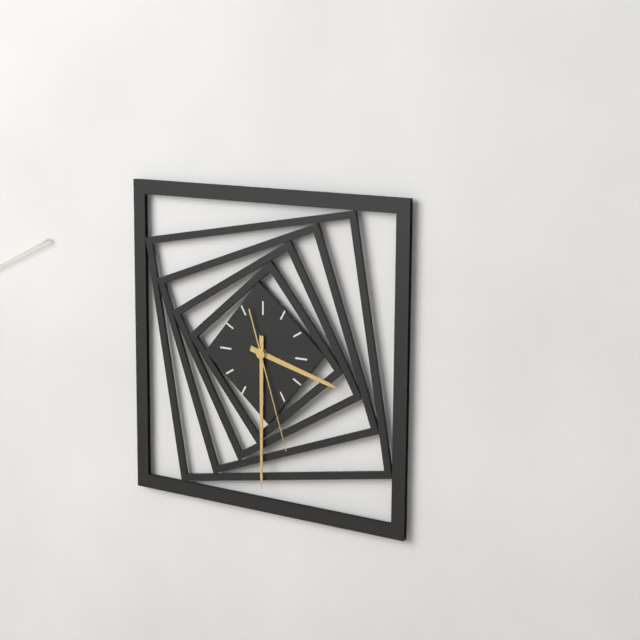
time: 3:30:27
